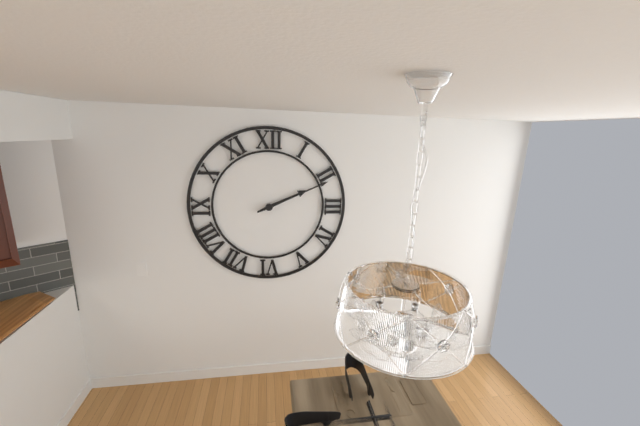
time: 2:11
